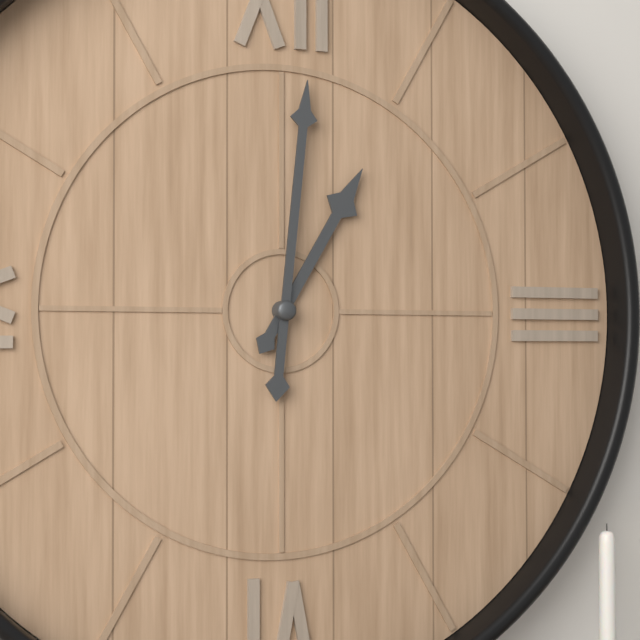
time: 1:01
